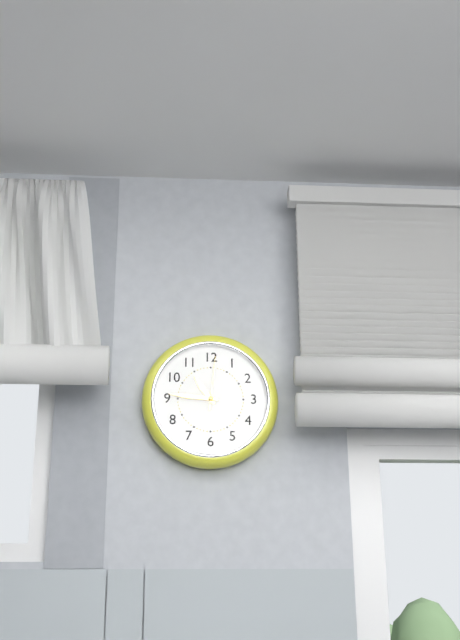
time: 10:46:01
